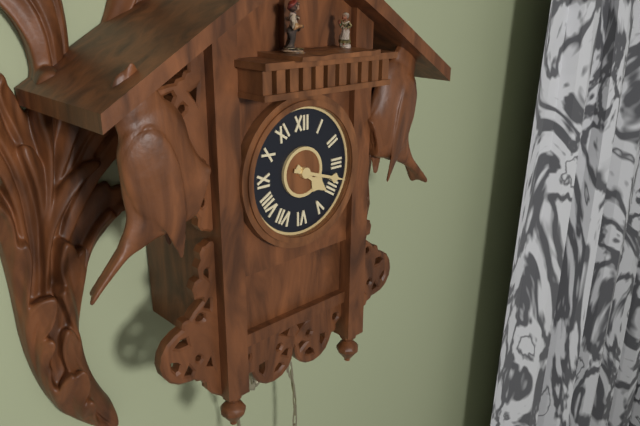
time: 4:18
